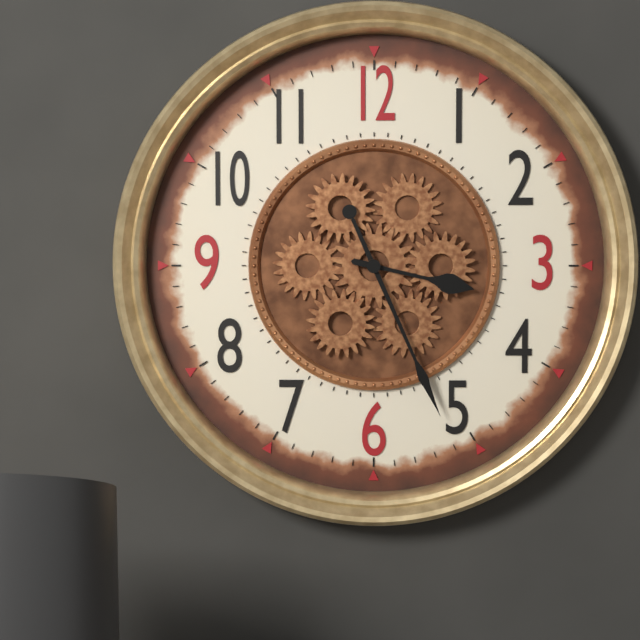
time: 3:26
